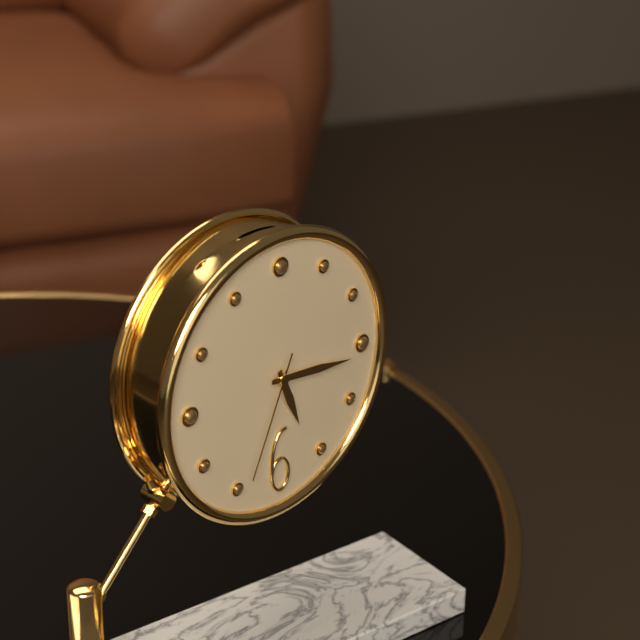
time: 5:16:34
